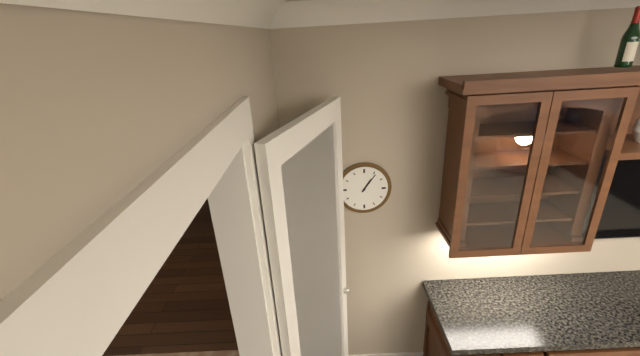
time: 1:06
